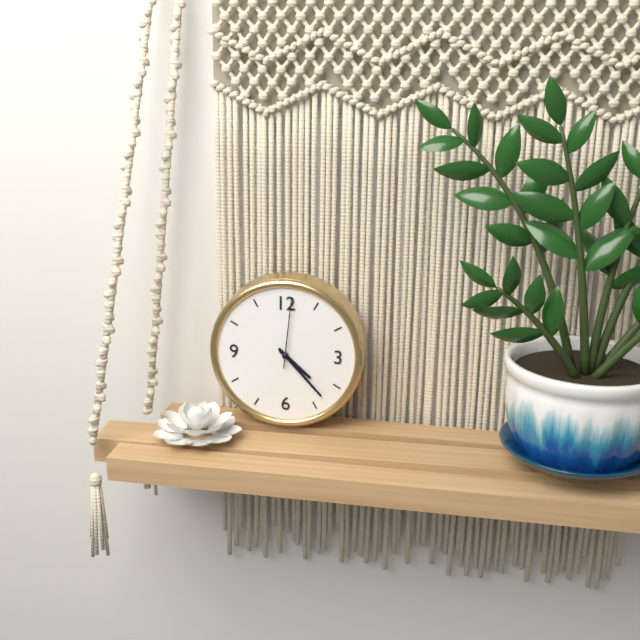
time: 4:23:01
